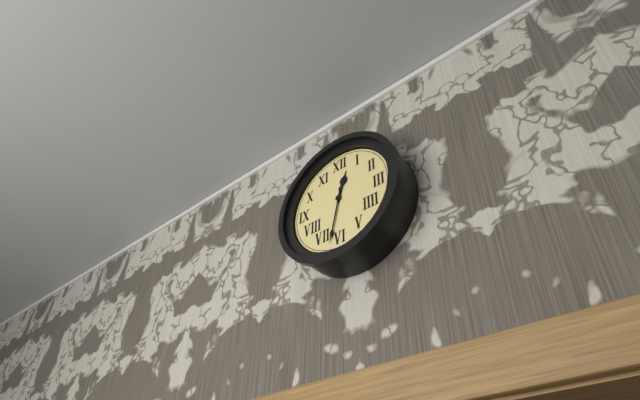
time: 12:32
